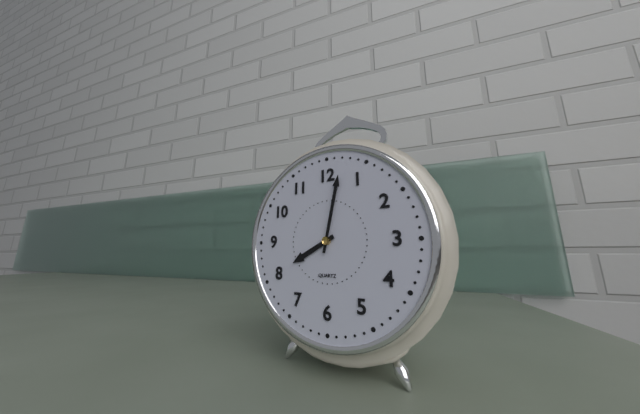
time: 8:02
